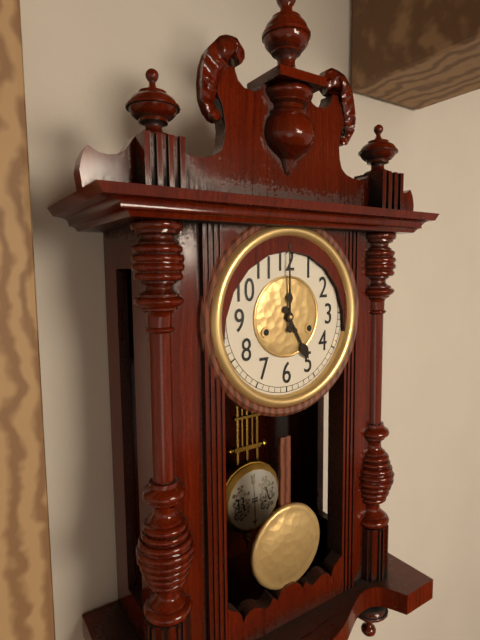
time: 5:00
